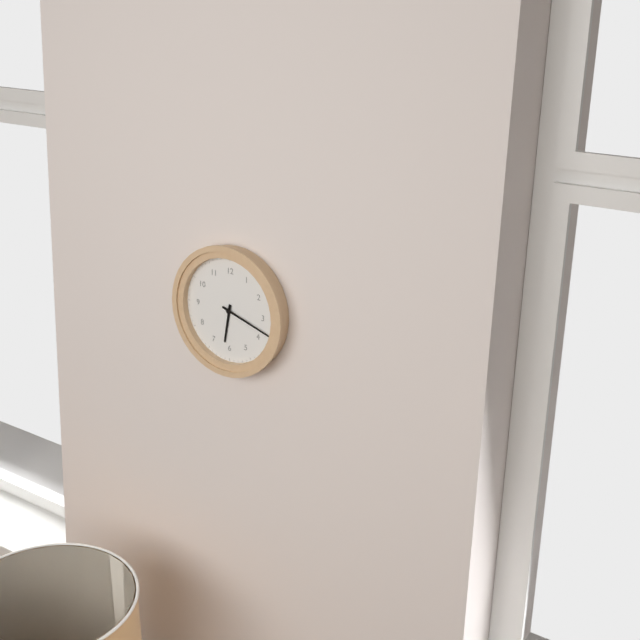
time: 6:18
